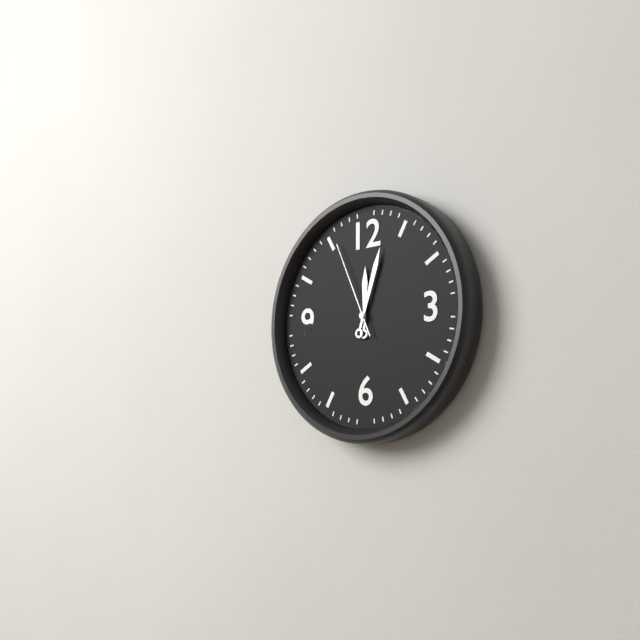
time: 12:03:56
